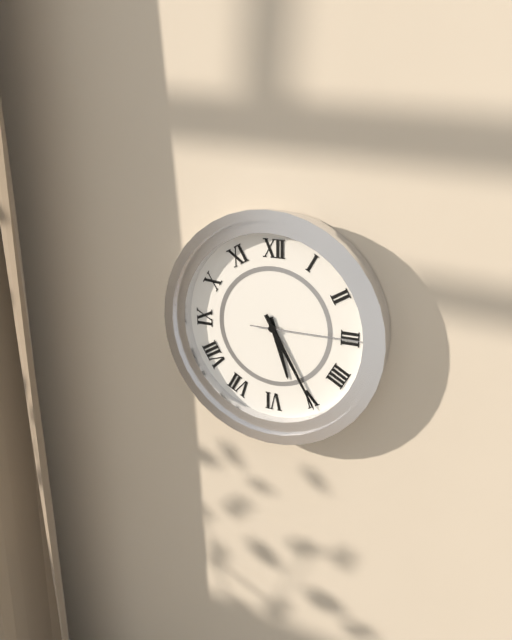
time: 5:25:15
